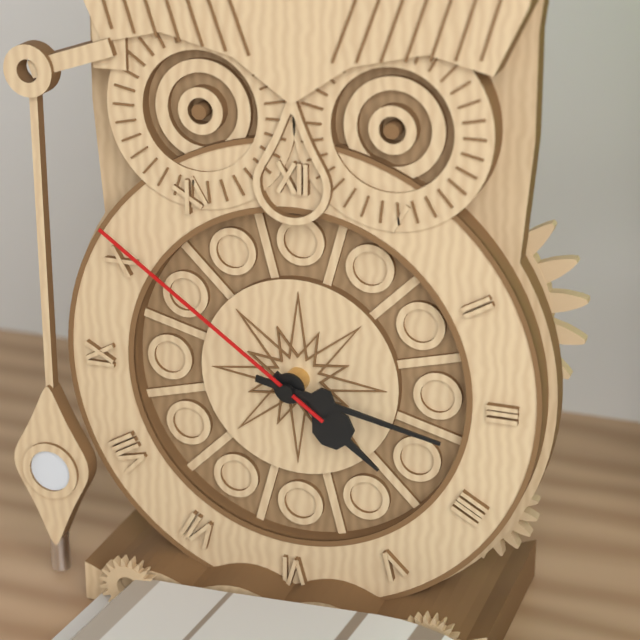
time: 4:17:51
